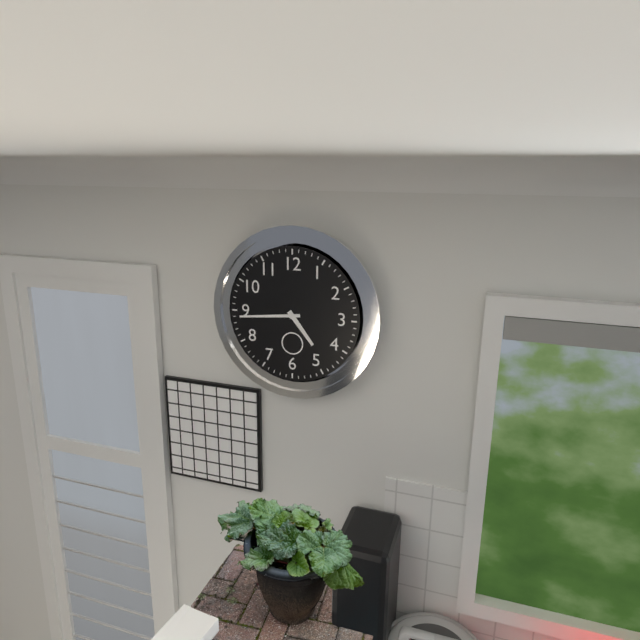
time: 4:44
